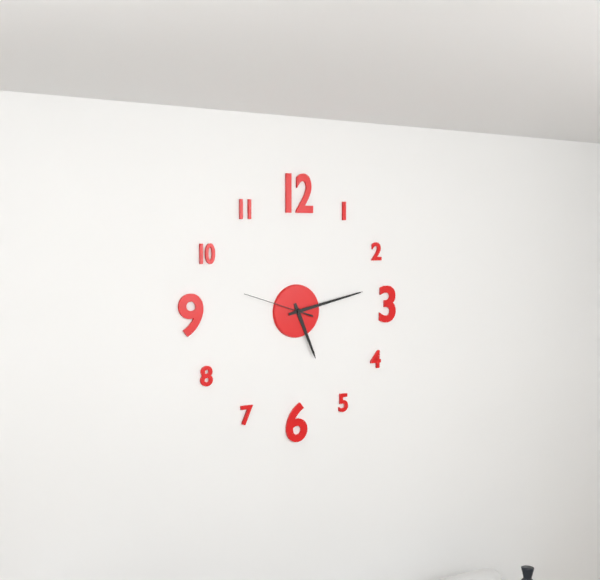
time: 5:13:48
